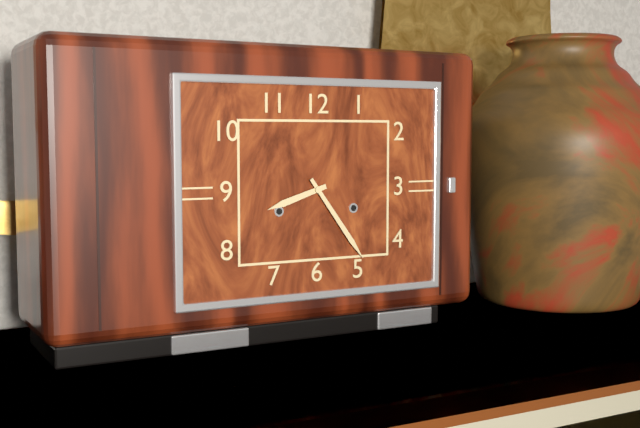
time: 8:24
